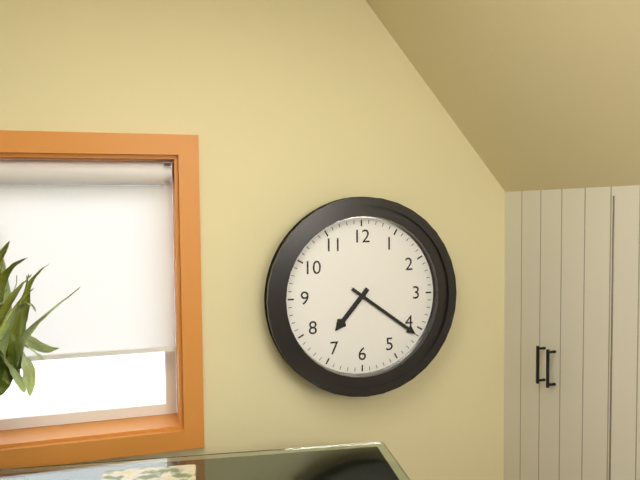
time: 7:21
